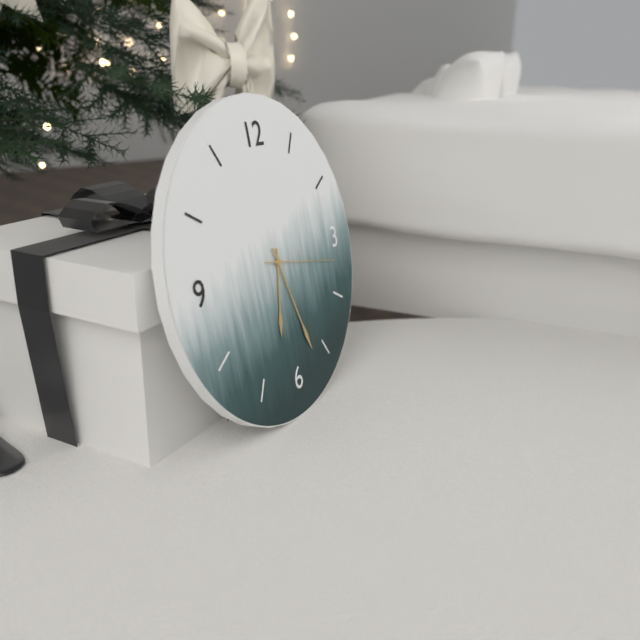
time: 6:27:17
